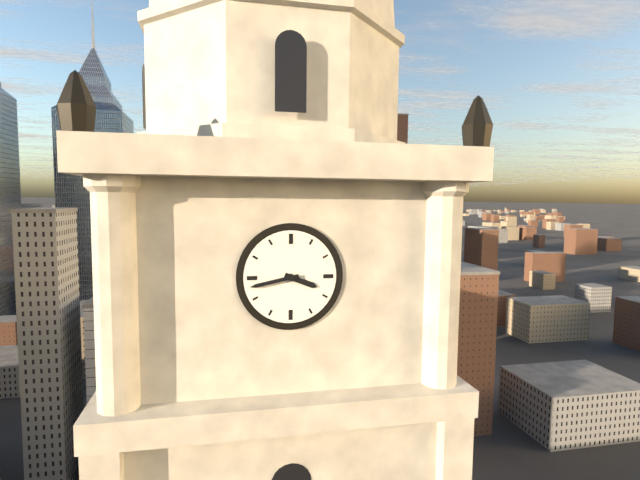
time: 3:43
